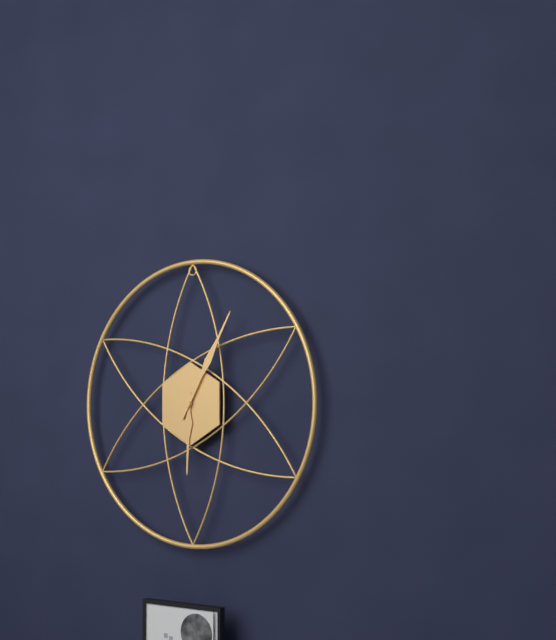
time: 6:05
